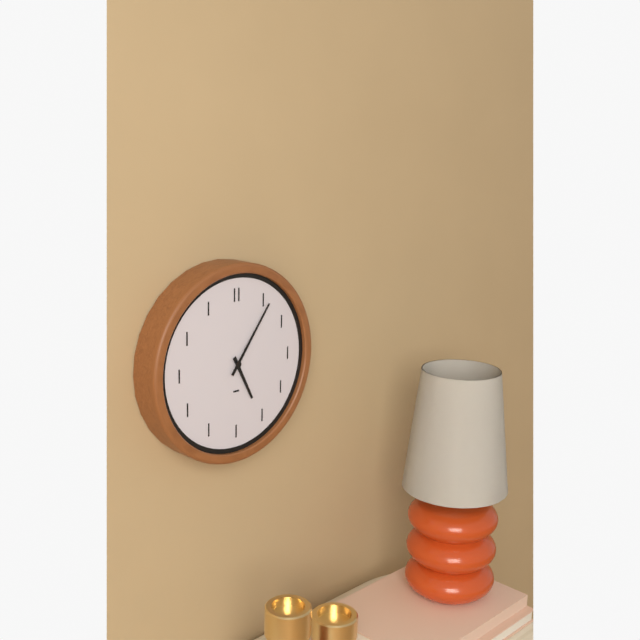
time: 5:06
